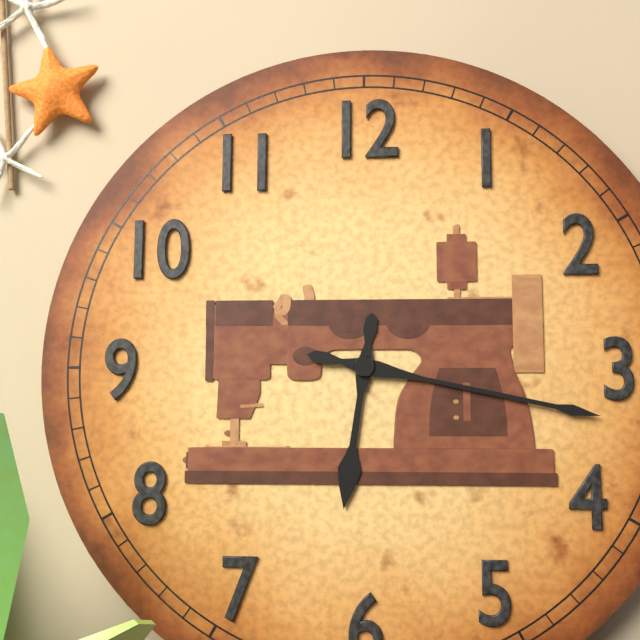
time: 6:17
